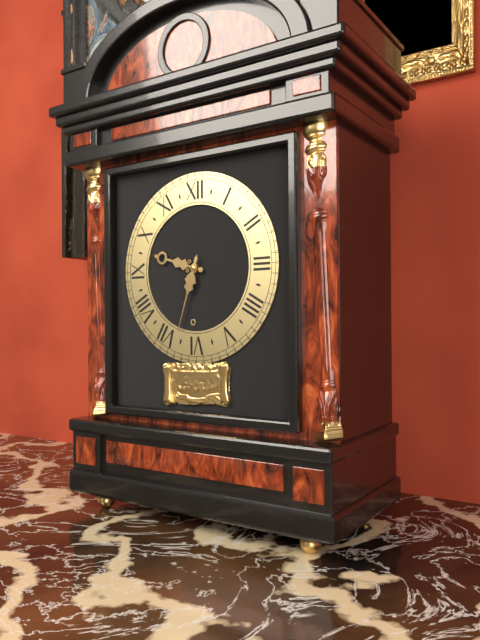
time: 9:33
